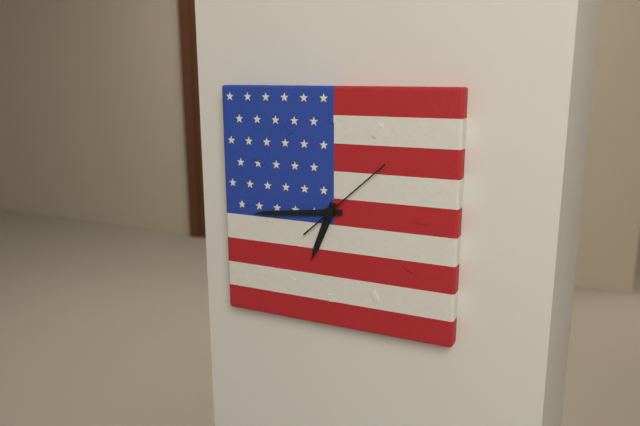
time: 6:44:08
